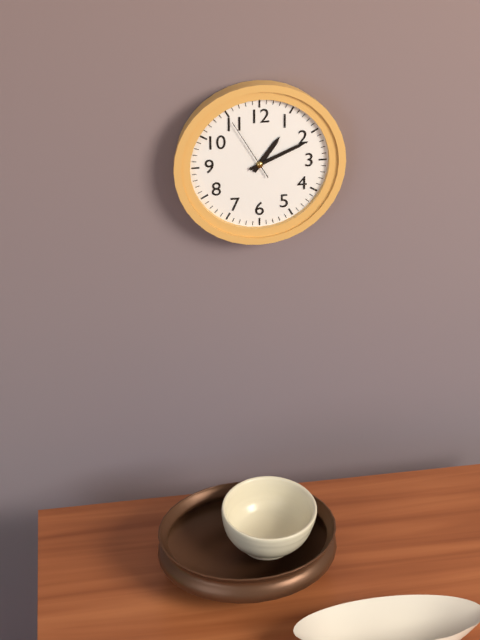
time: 1:11:55
